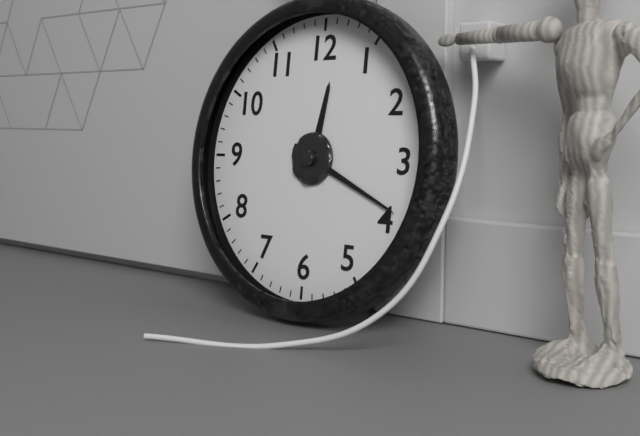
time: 12:19
